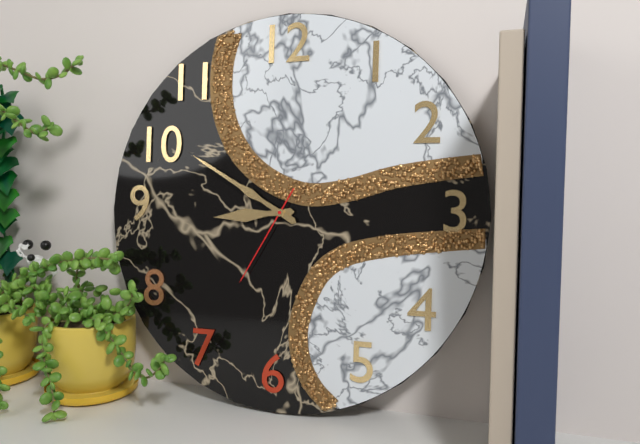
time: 8:50:35
